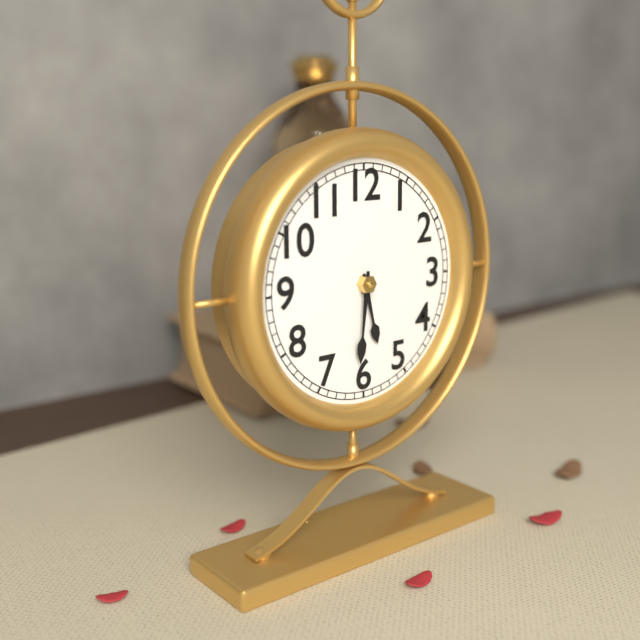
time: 5:31
